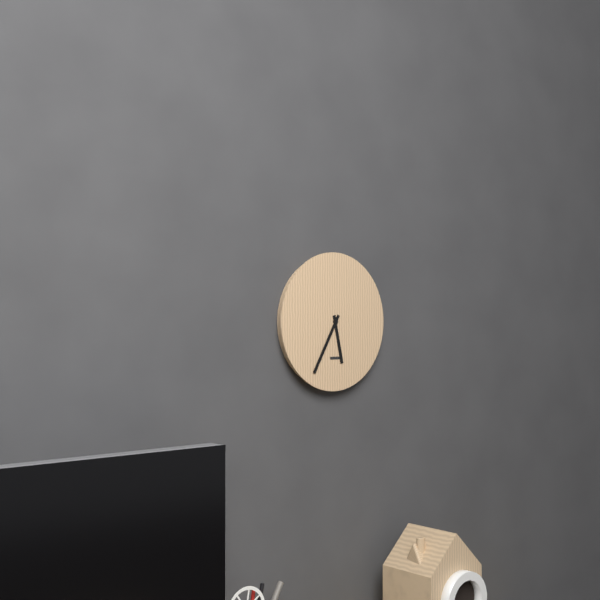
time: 5:35
